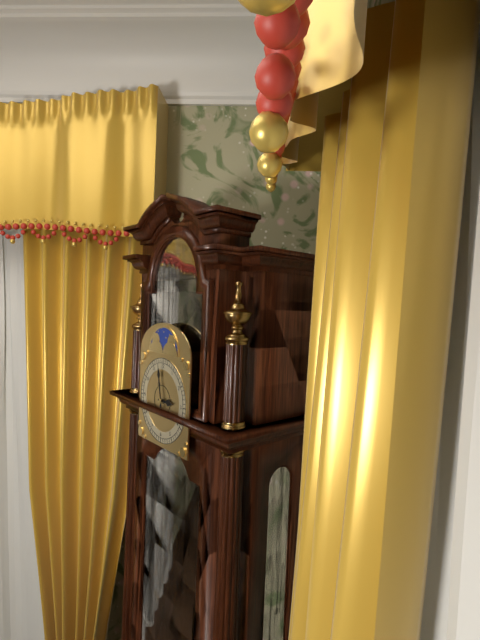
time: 2:58
